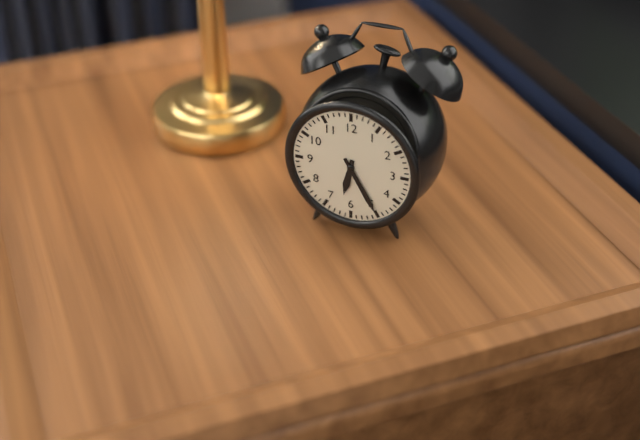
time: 6:25
